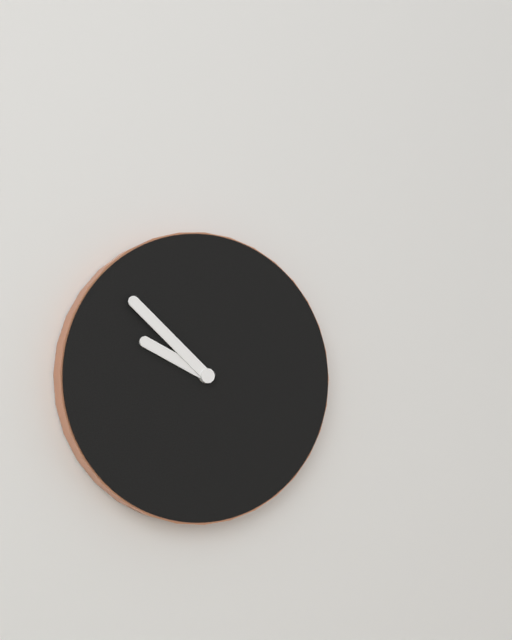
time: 9:52
